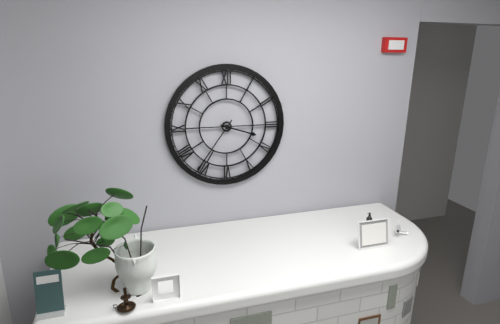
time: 3:36
